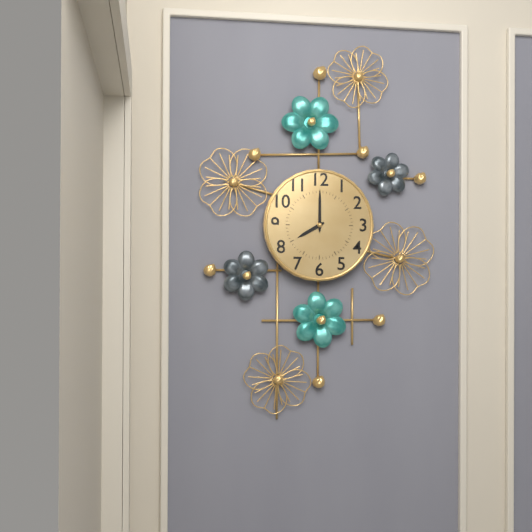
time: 8:00
